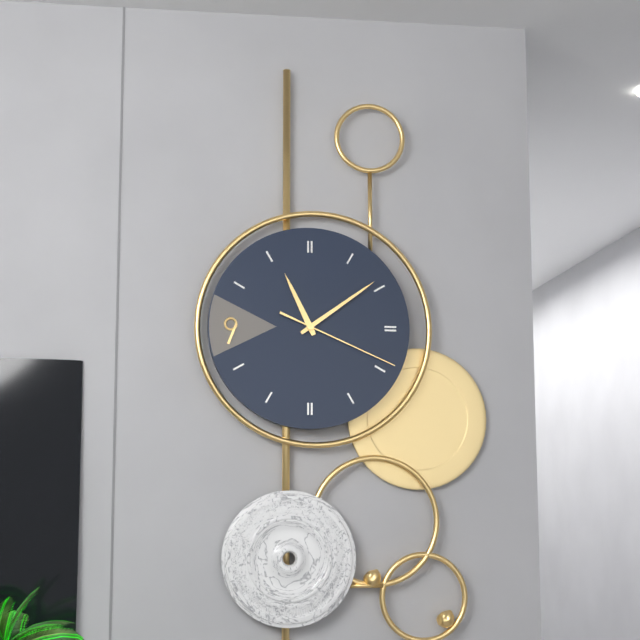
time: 11:09:19
